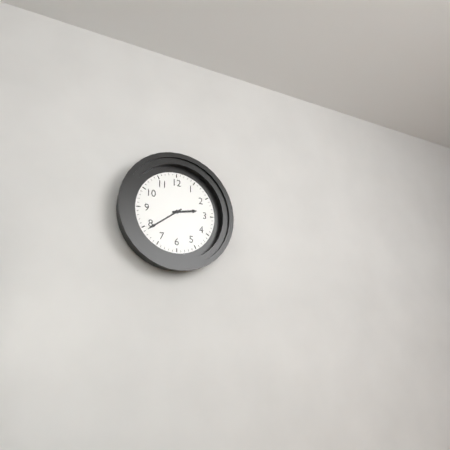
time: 2:39
